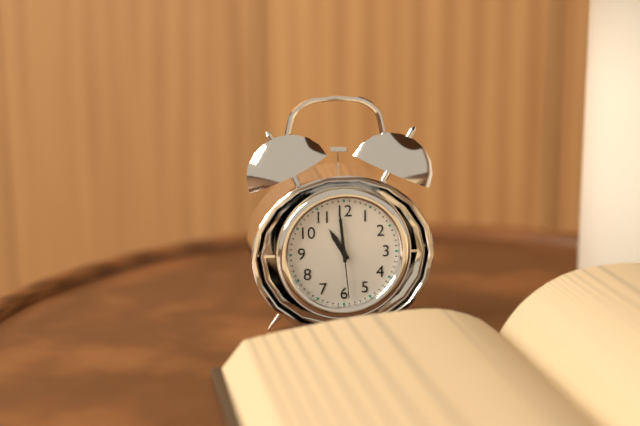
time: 10:59:29
